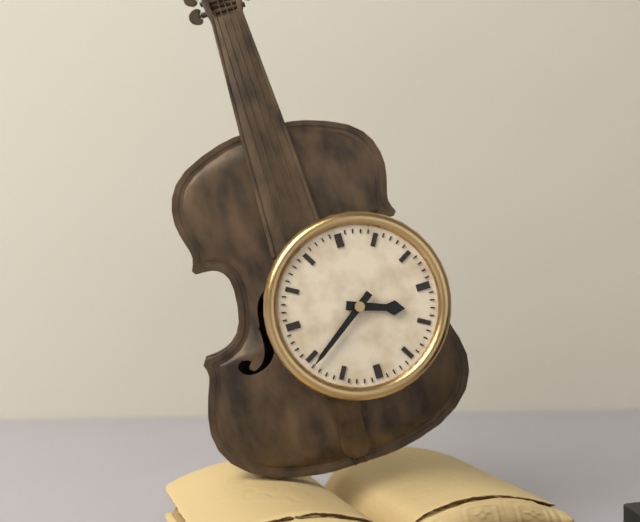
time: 3:39
